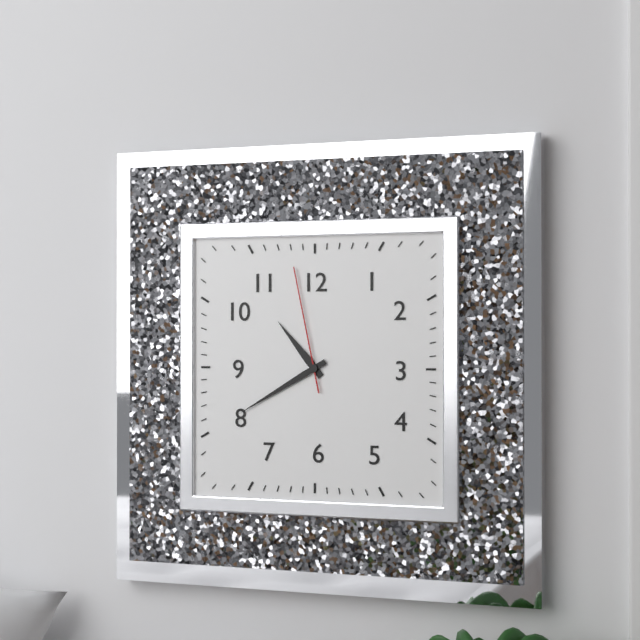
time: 10:40:58
